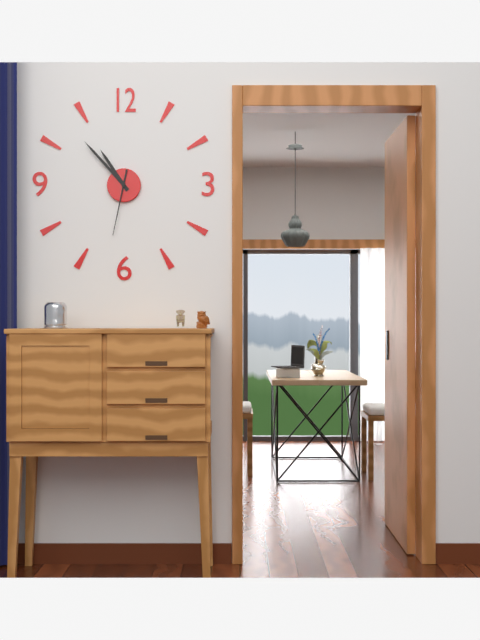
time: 10:53:32
